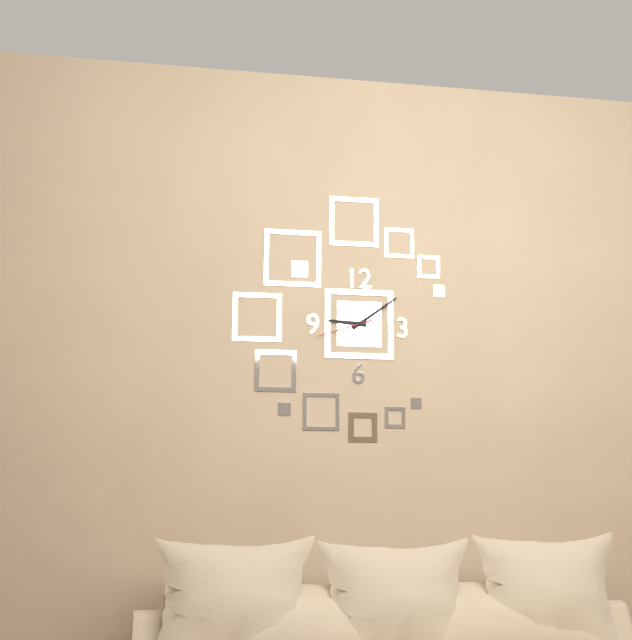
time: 9:09:42
